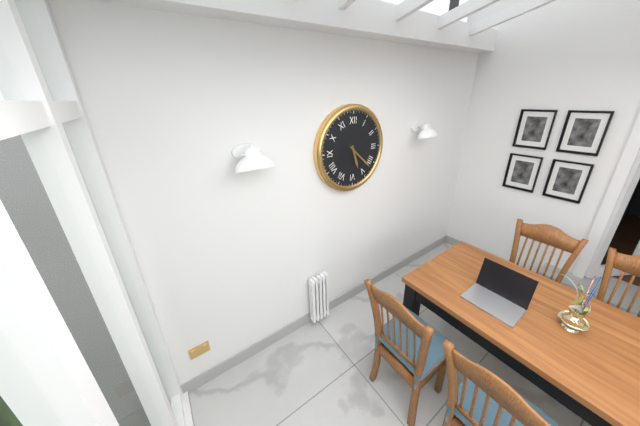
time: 5:22
